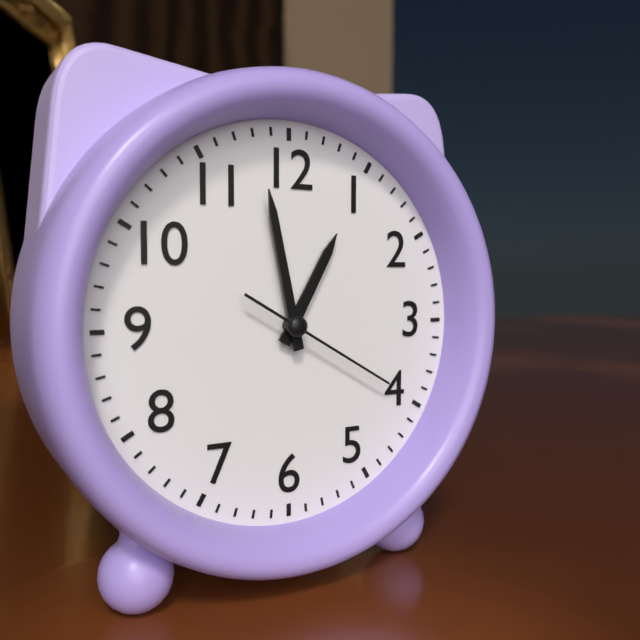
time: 12:58:20
